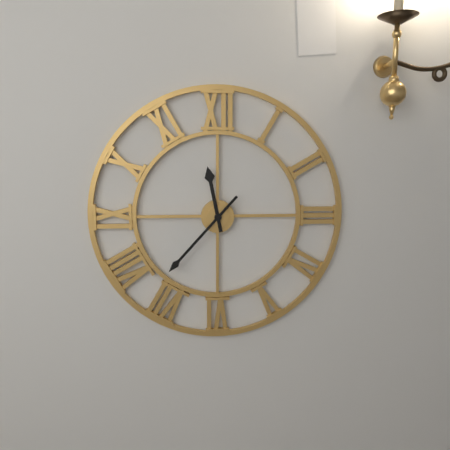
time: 11:37
